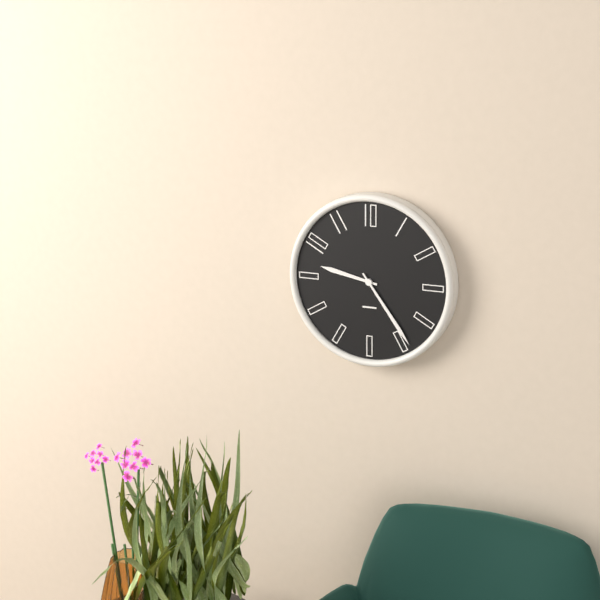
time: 9:24
